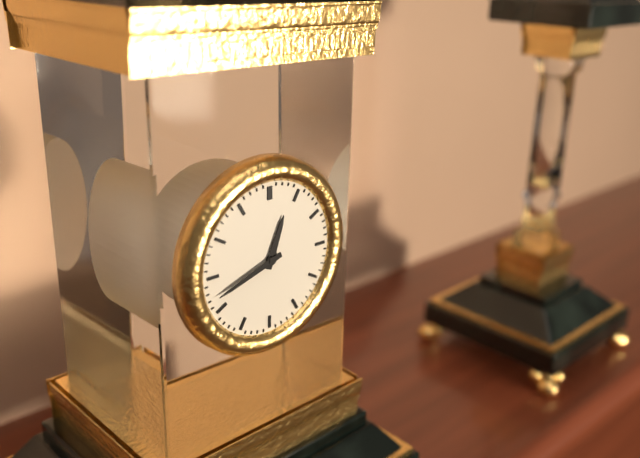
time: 12:42
